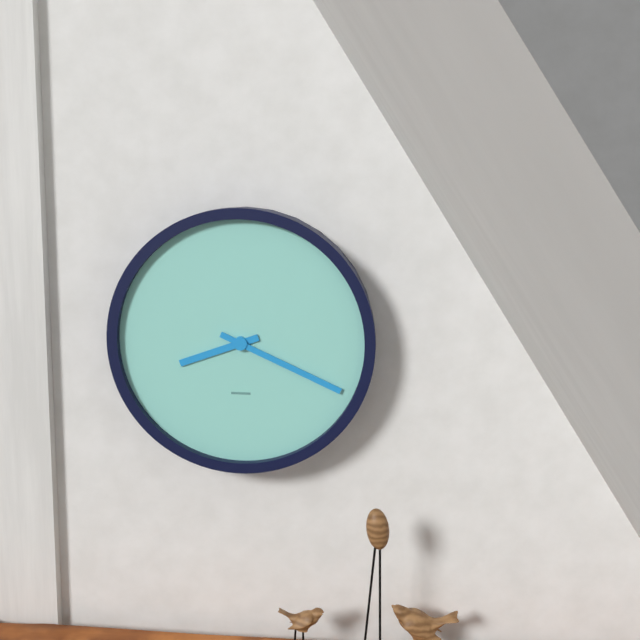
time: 8:19
